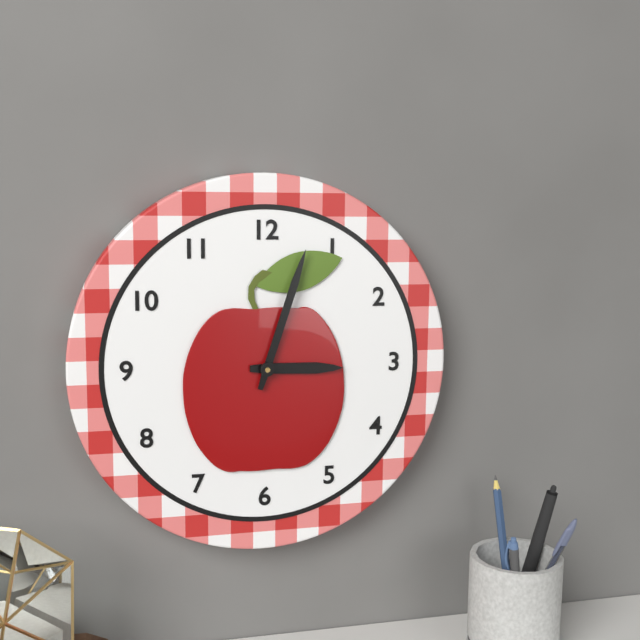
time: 3:03
